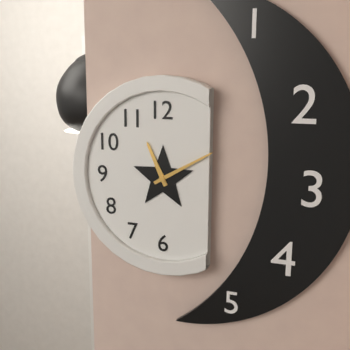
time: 11:10
